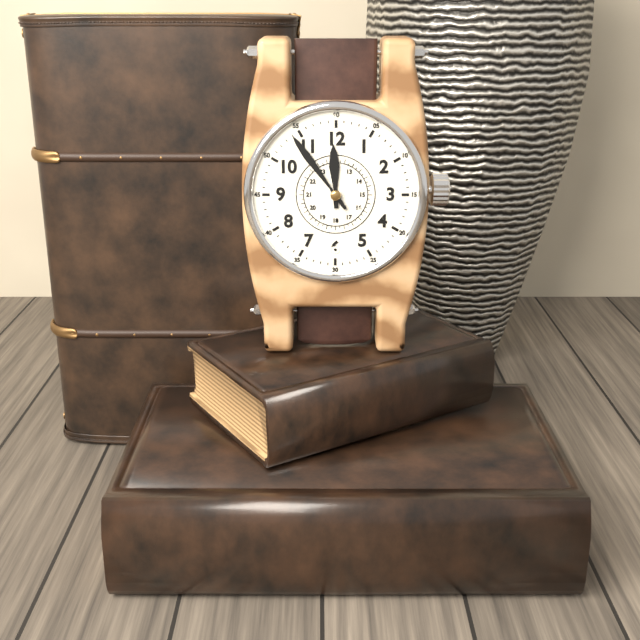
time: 11:54
